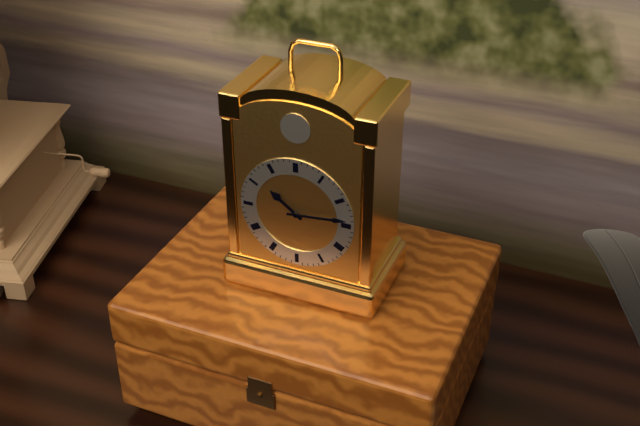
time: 10:14
